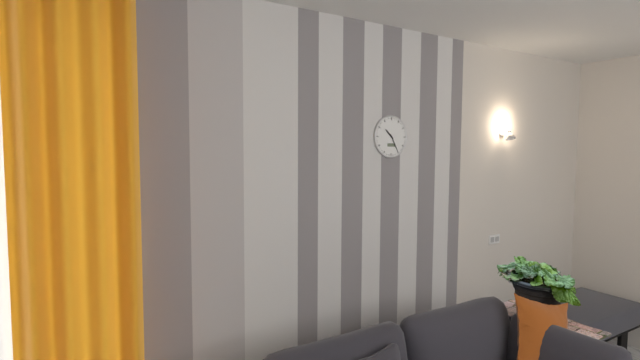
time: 10:25
